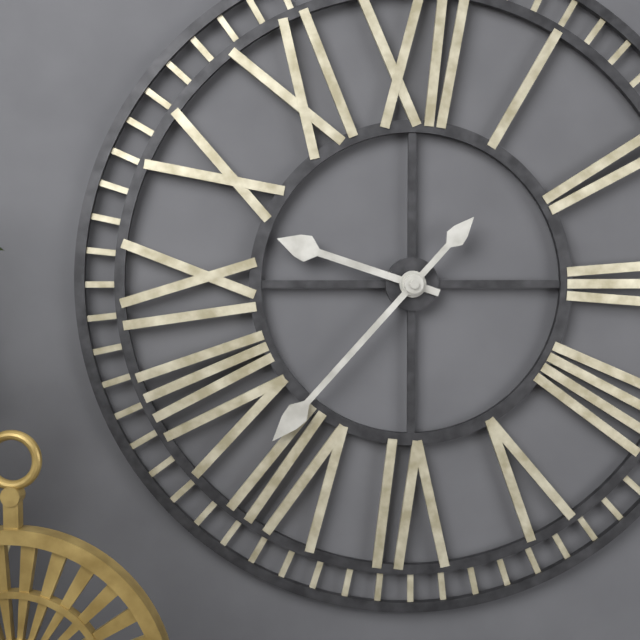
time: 9:37
